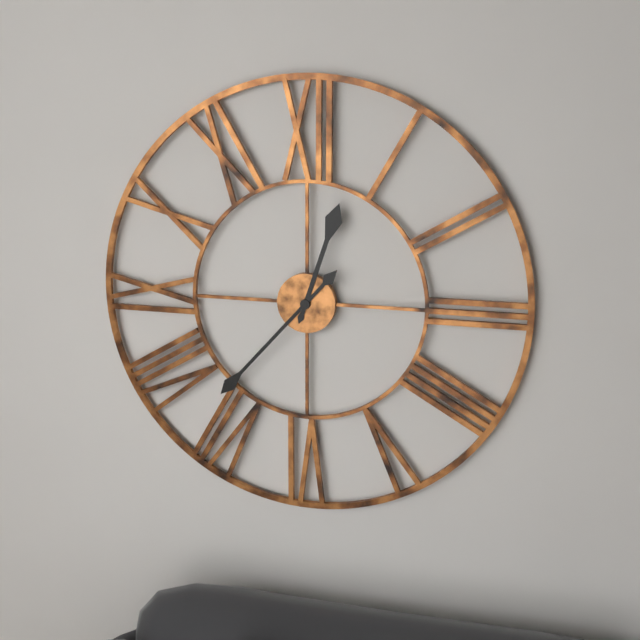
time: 12:37
